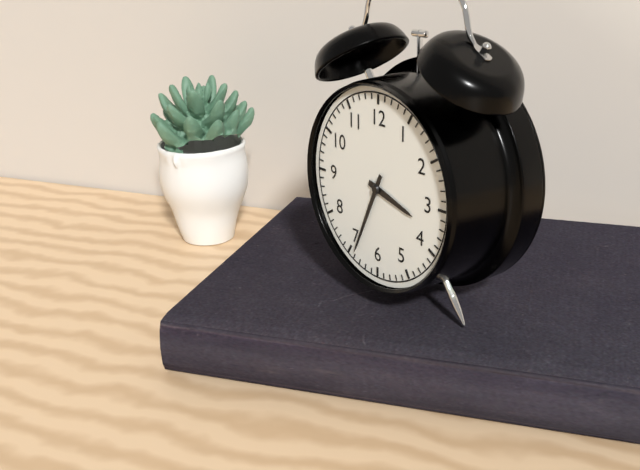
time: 3:34
